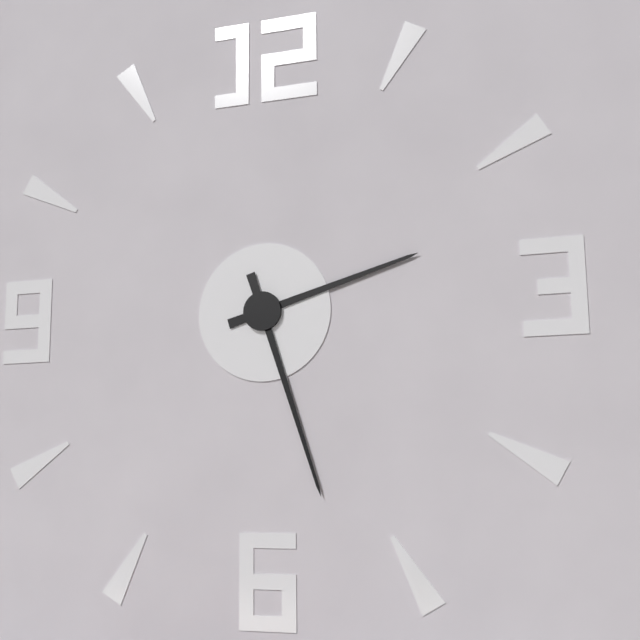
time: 2:27
